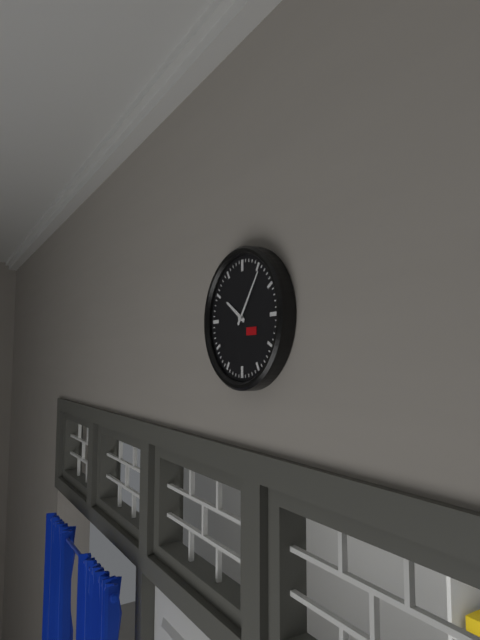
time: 10:06
